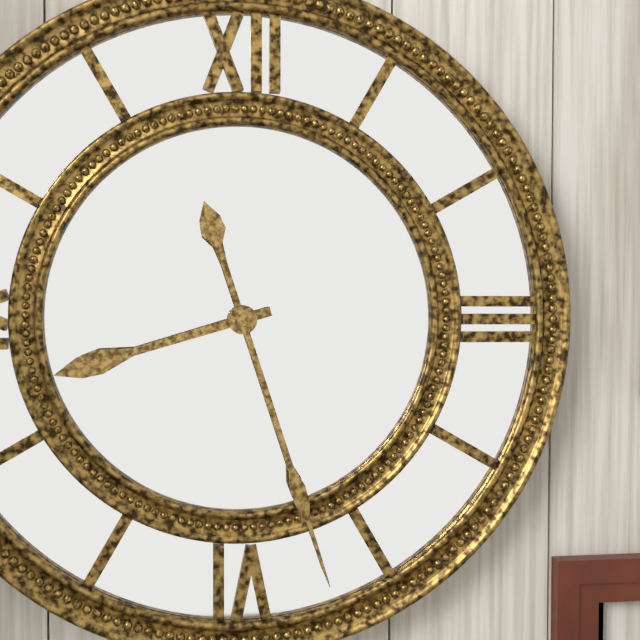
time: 8:27
